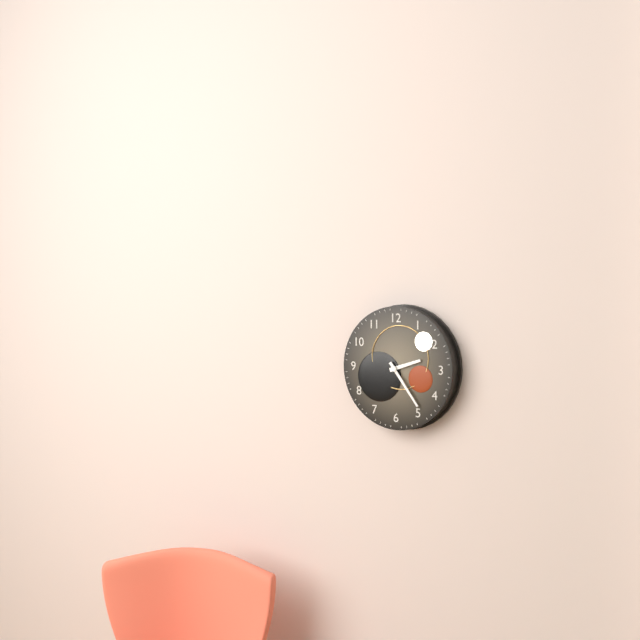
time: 2:24
